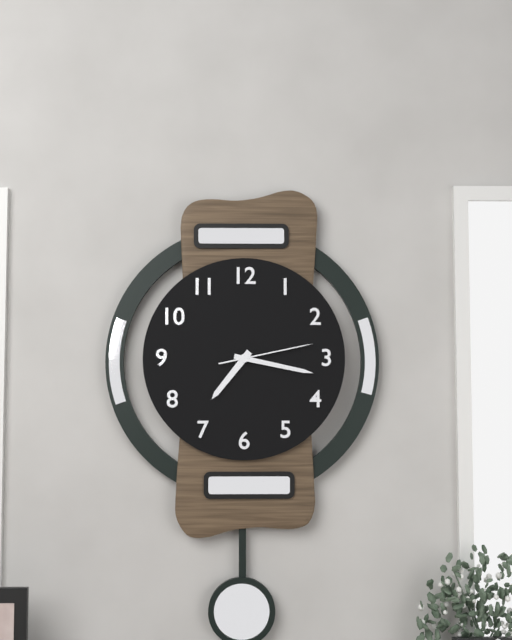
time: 7:17:13
